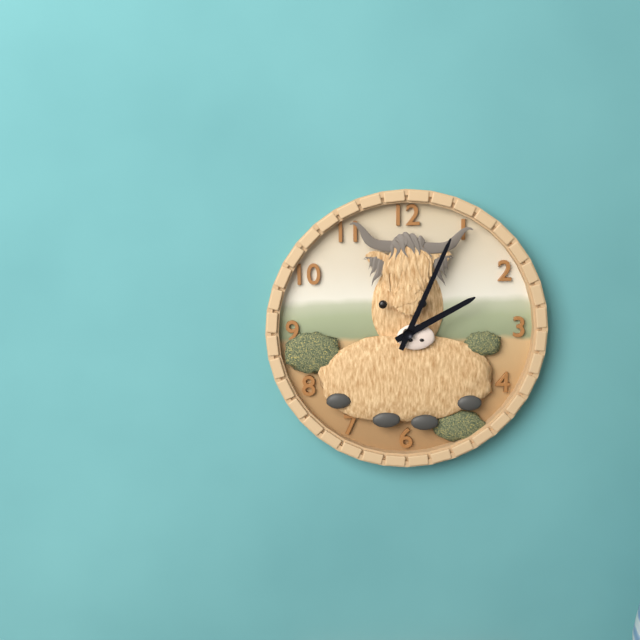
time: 2:04
